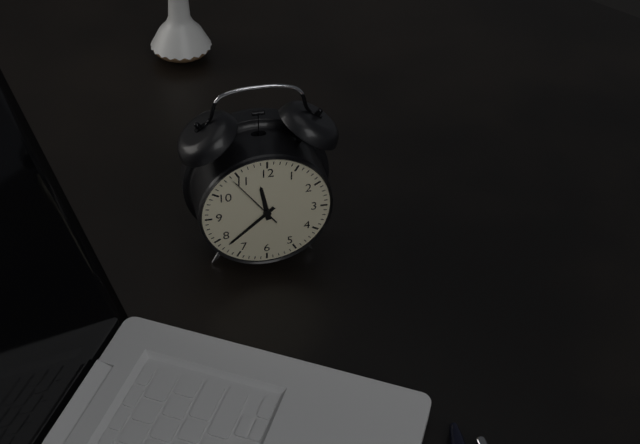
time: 11:38
